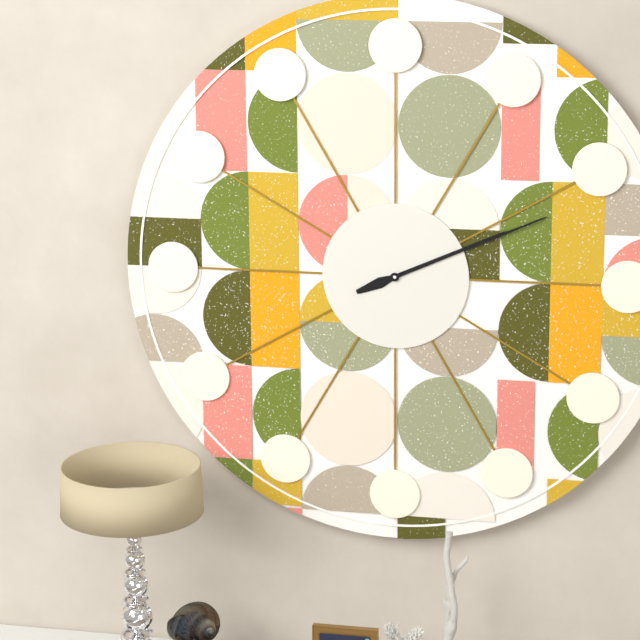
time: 2:11
